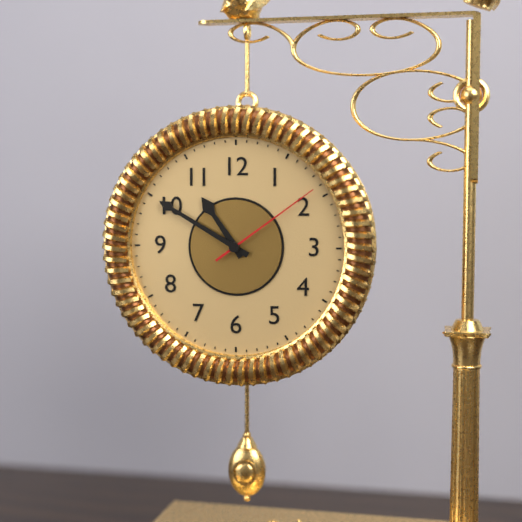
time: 10:50:09
